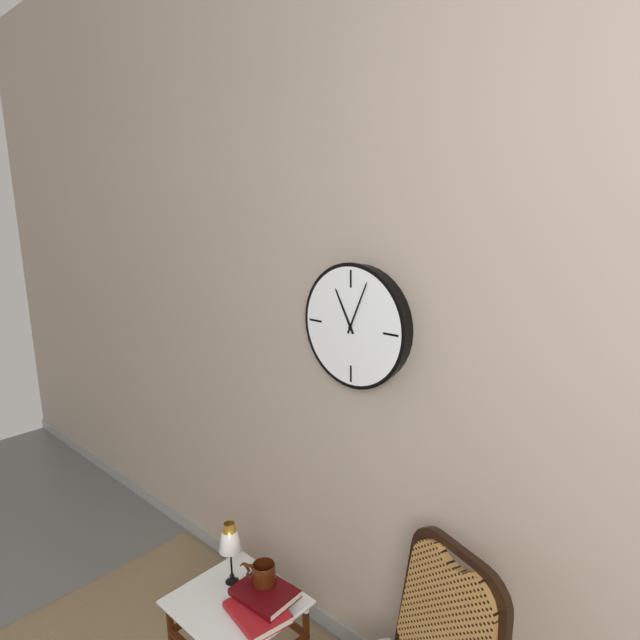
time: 11:04
